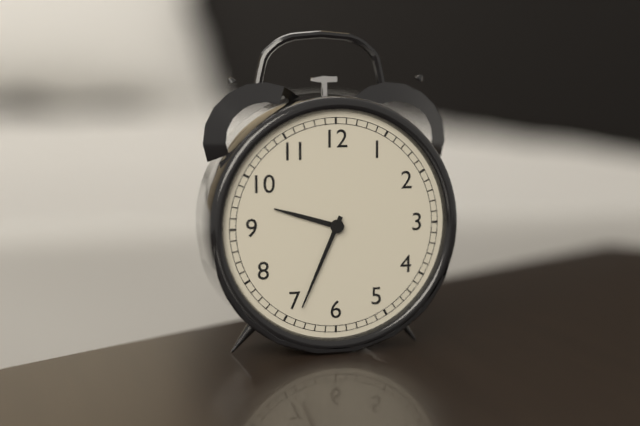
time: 9:34
